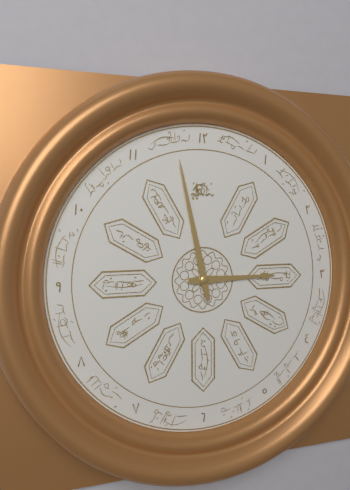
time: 2:58
